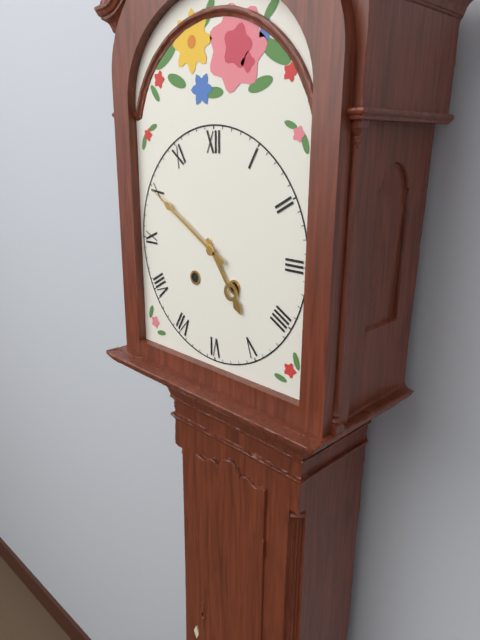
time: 4:50
